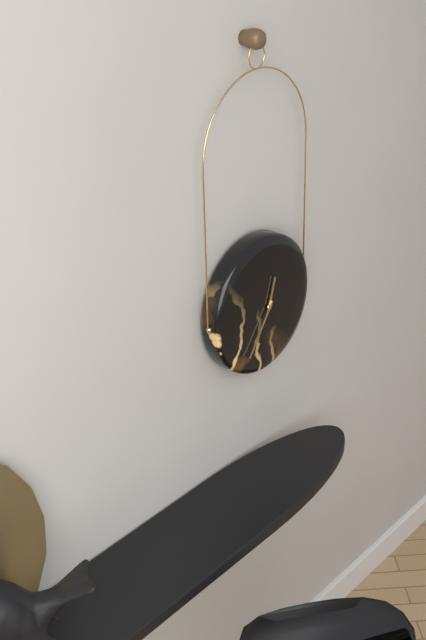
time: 12:36
